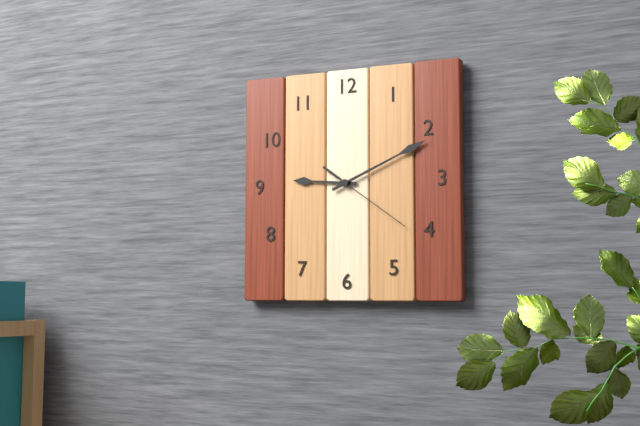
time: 9:11:21
